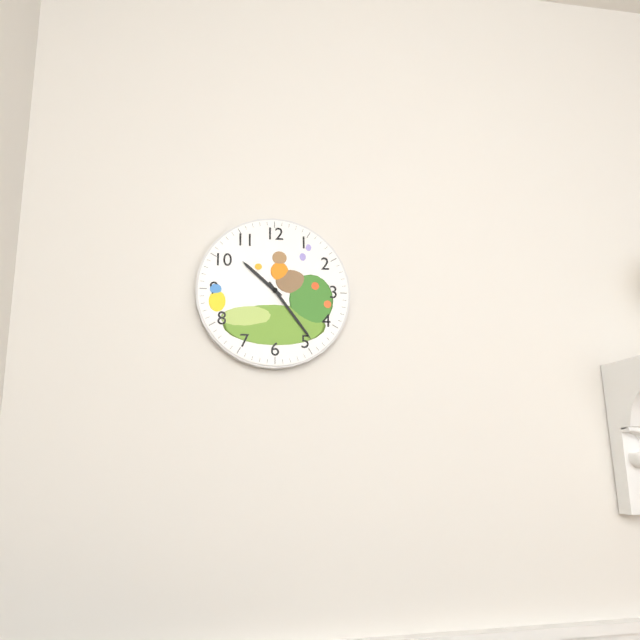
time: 10:24
